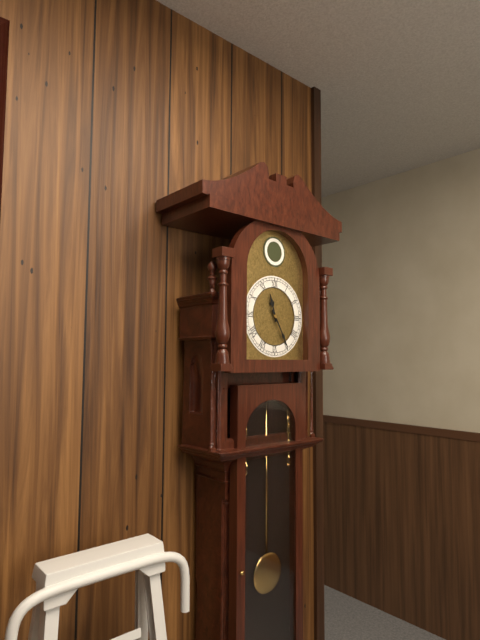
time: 11:25
